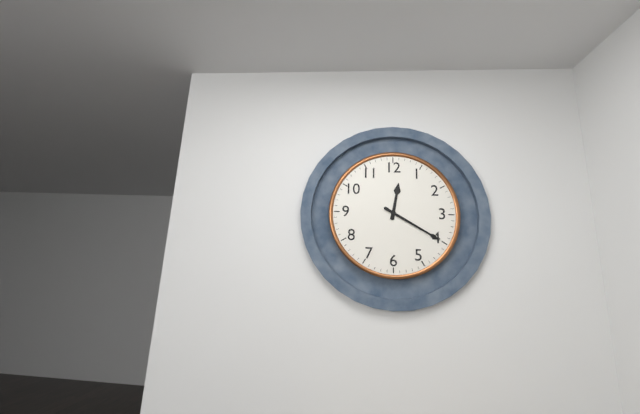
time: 12:20
